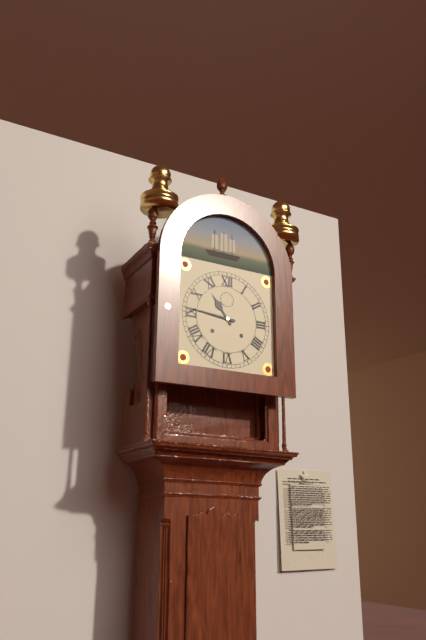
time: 10:46
